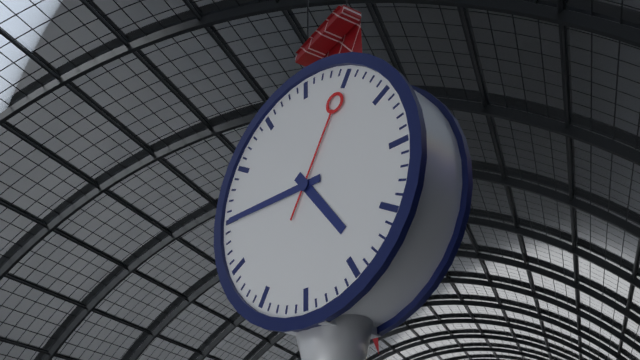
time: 4:45:05
